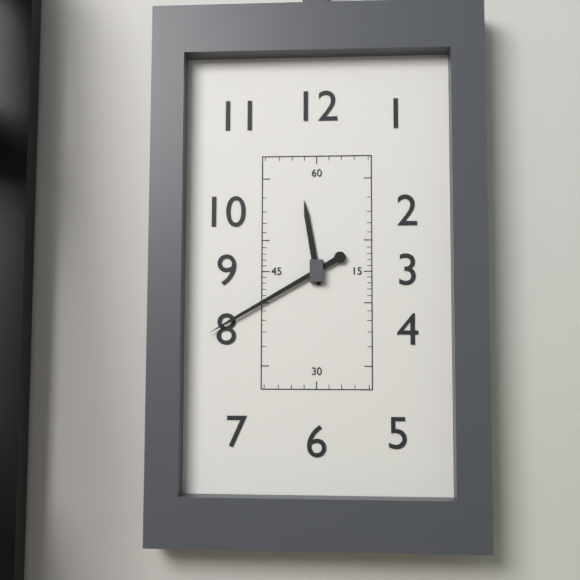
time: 11:40
